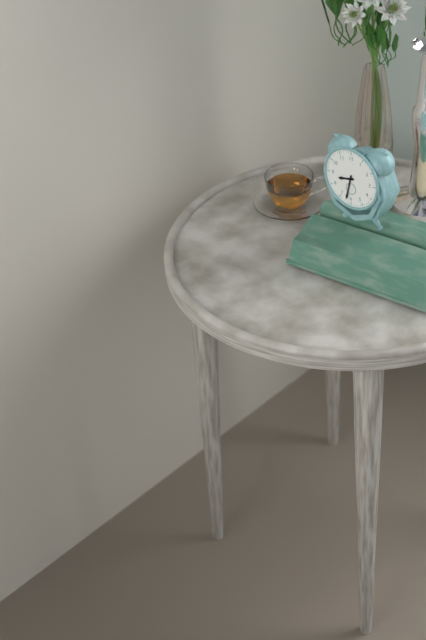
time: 8:32
